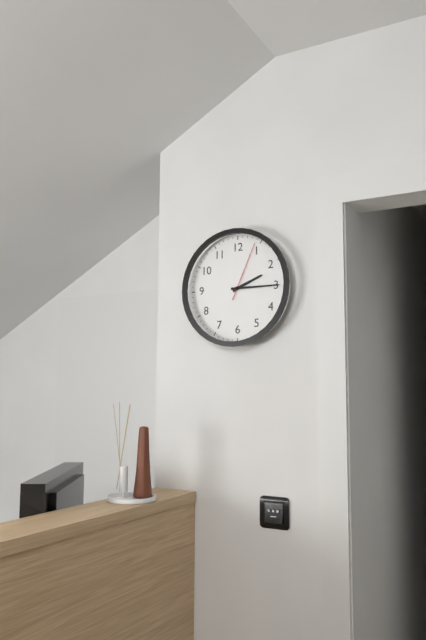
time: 2:15:04
